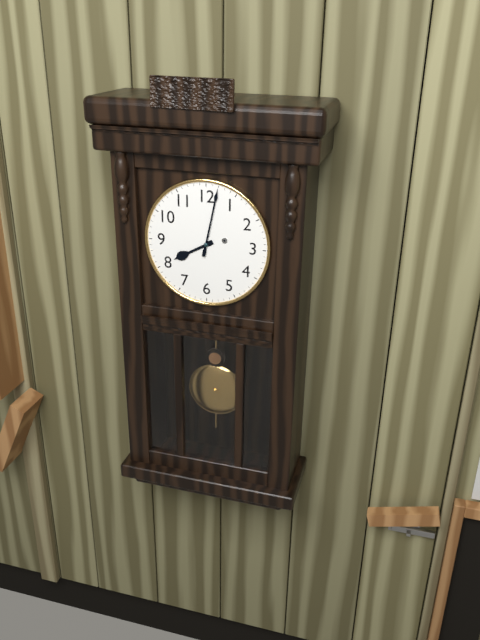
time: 8:02
